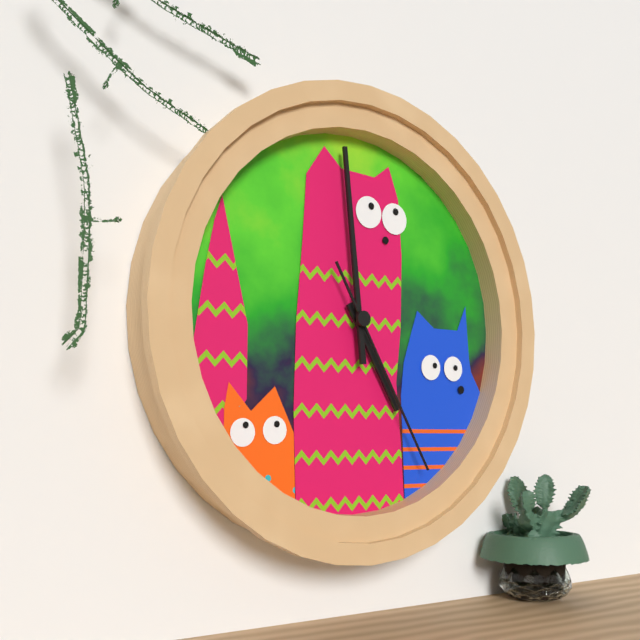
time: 4:59:25
